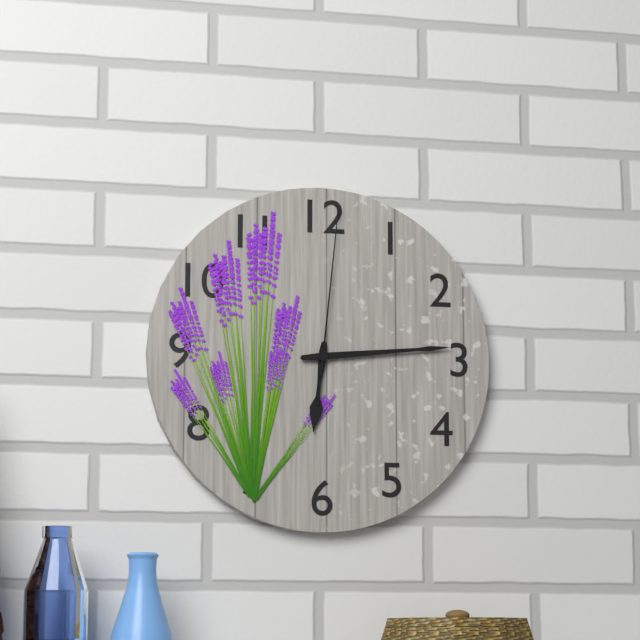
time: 6:14:01
